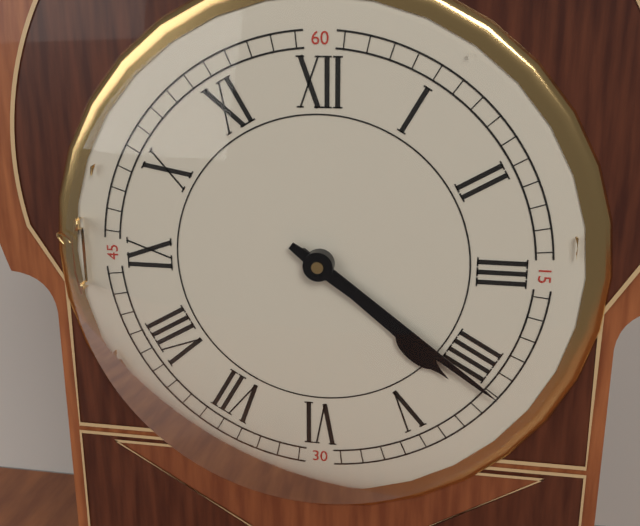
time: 4:21
